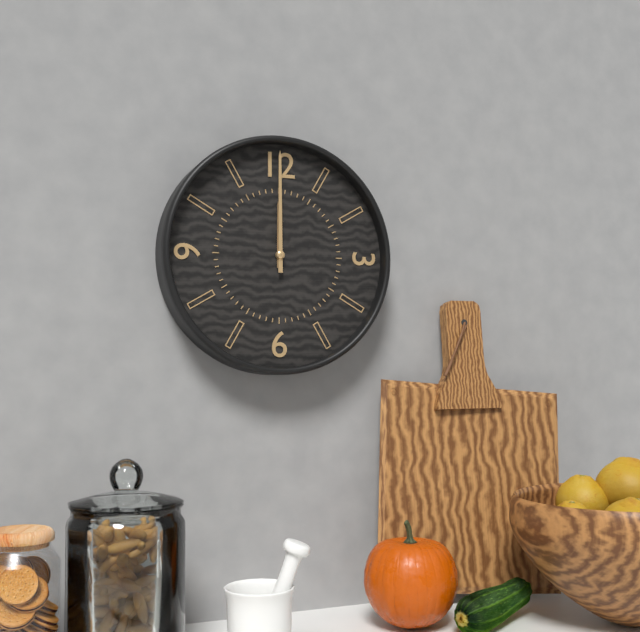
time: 12:00
